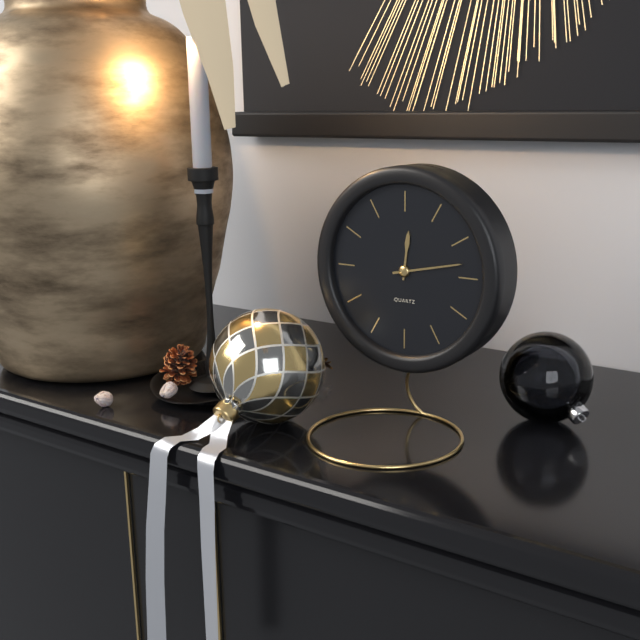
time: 12:13
